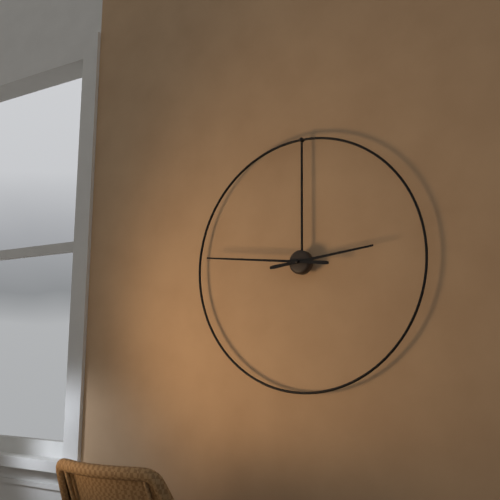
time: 2:46
